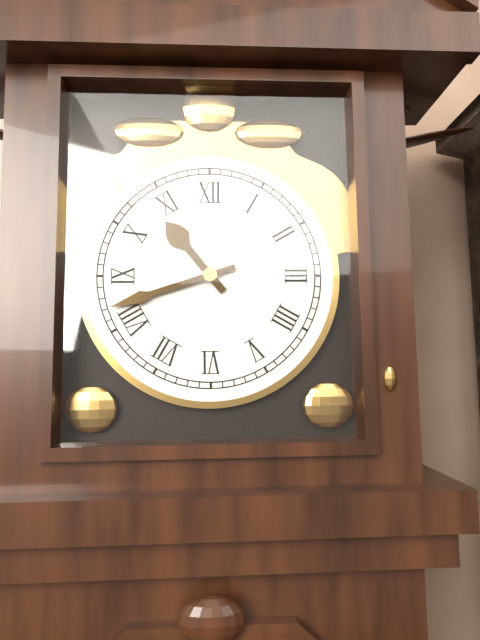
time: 10:42
